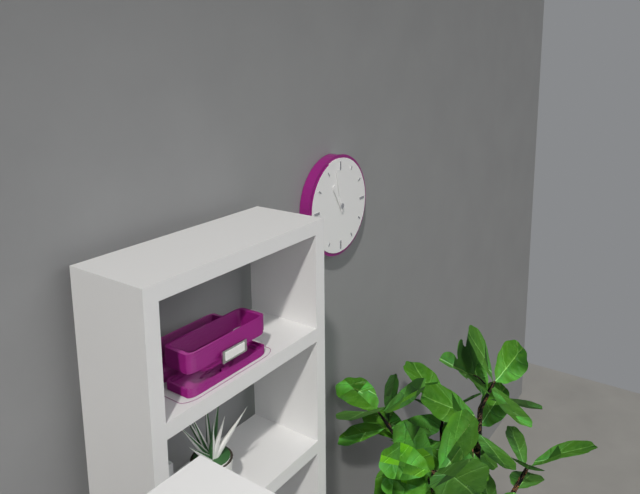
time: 10:58
